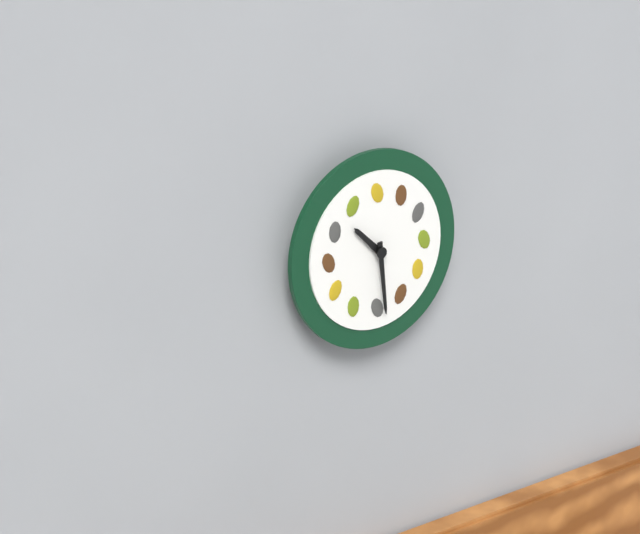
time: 10:29
